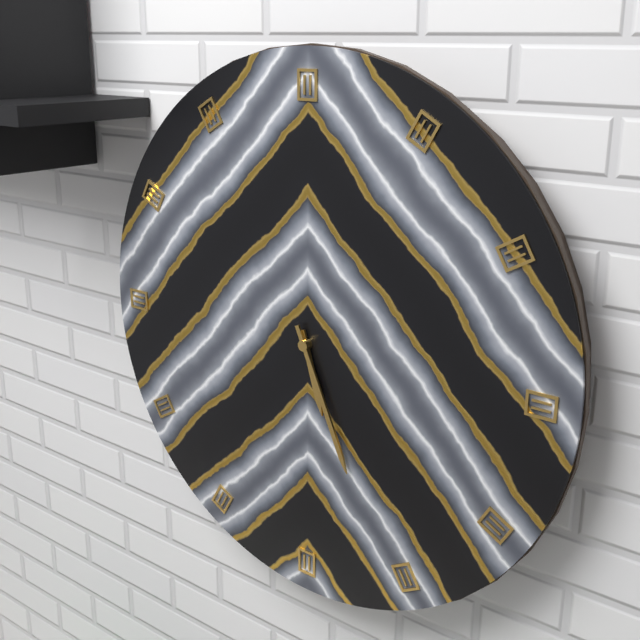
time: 5:26
